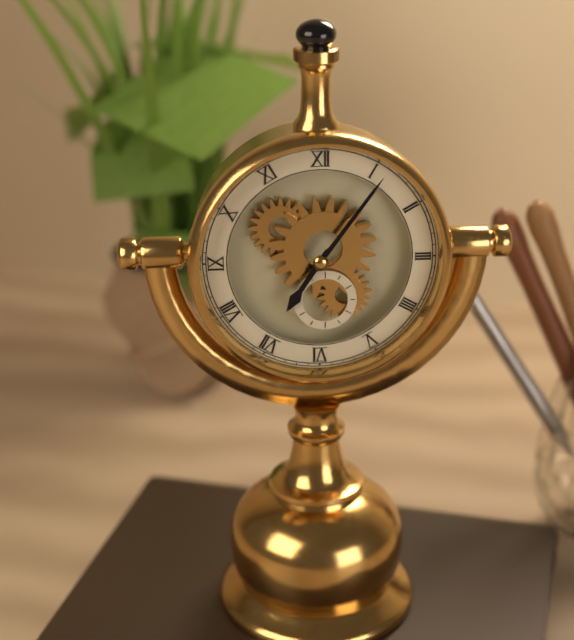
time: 7:06
